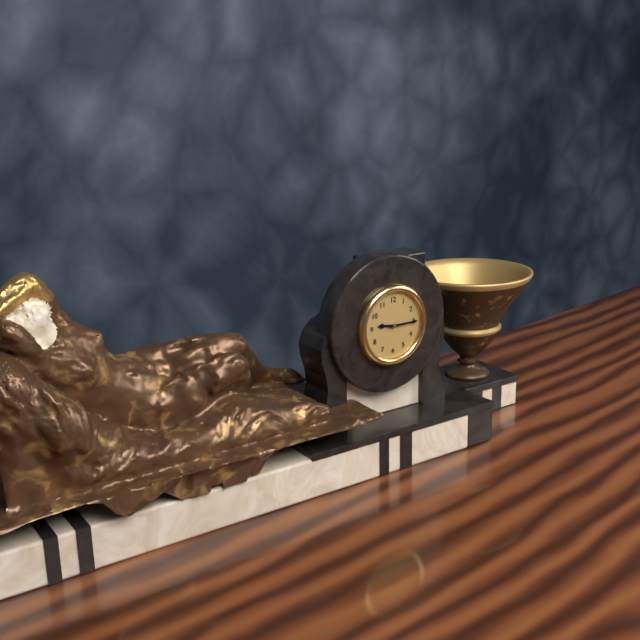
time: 9:15
